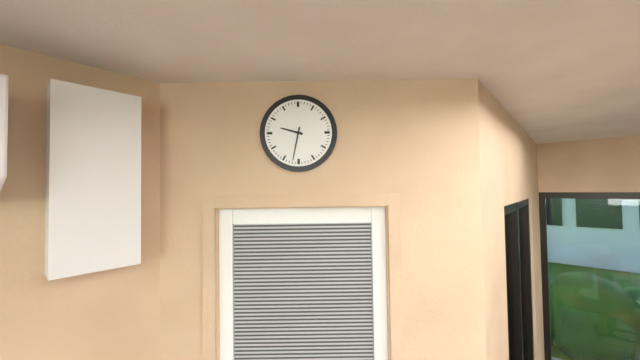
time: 9:32
